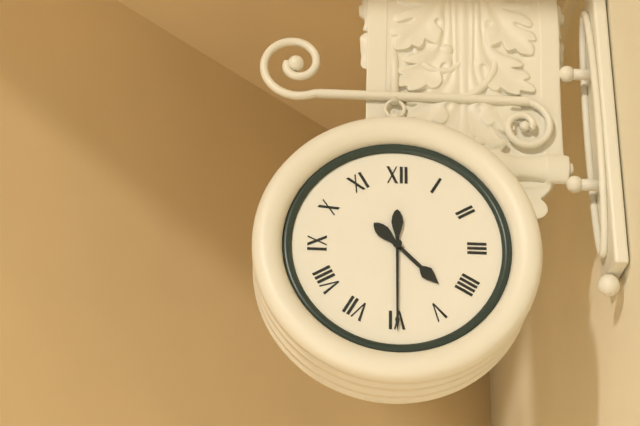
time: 4:30
